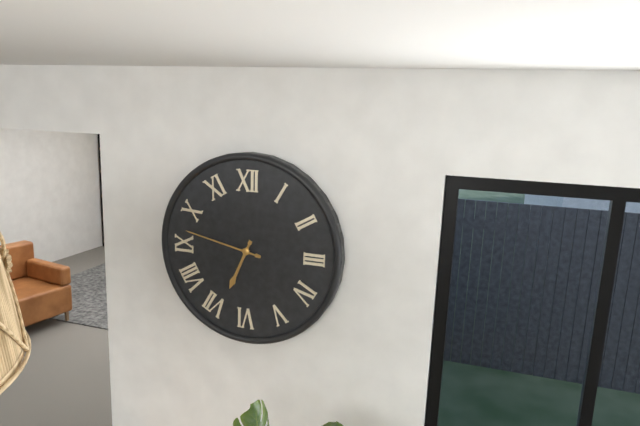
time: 6:47
